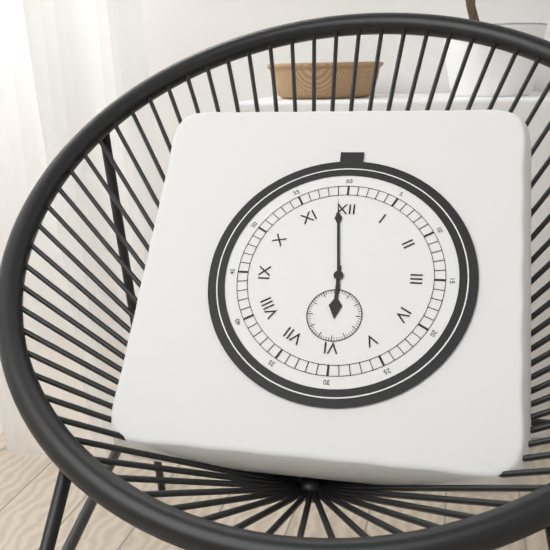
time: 5:59
